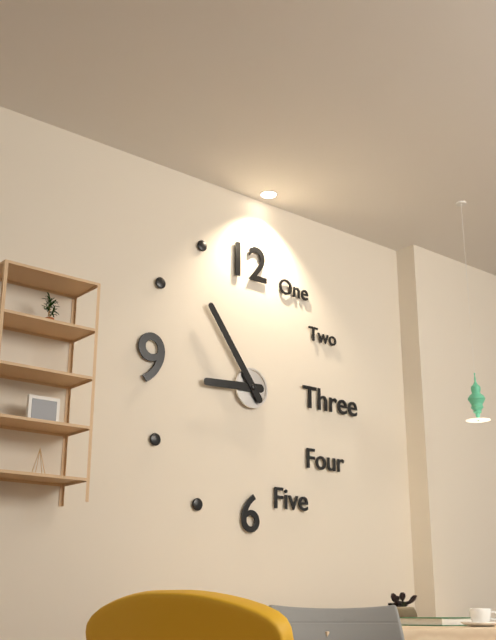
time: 8:54
